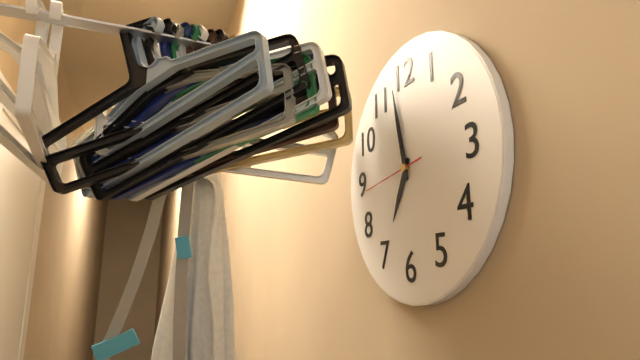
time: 6:58:44
